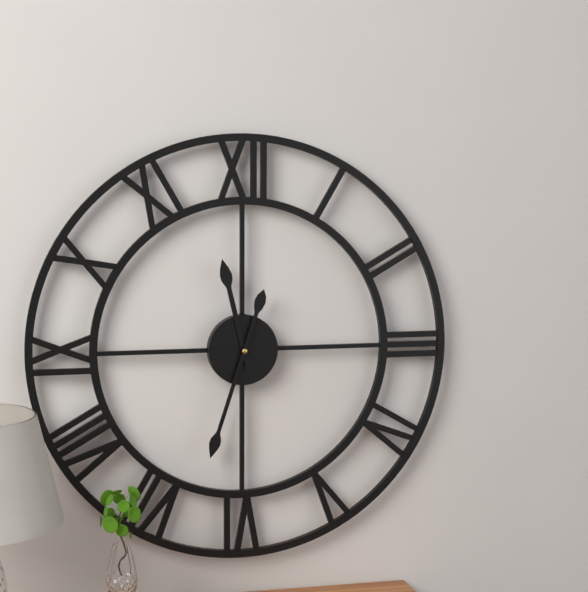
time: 11:33
